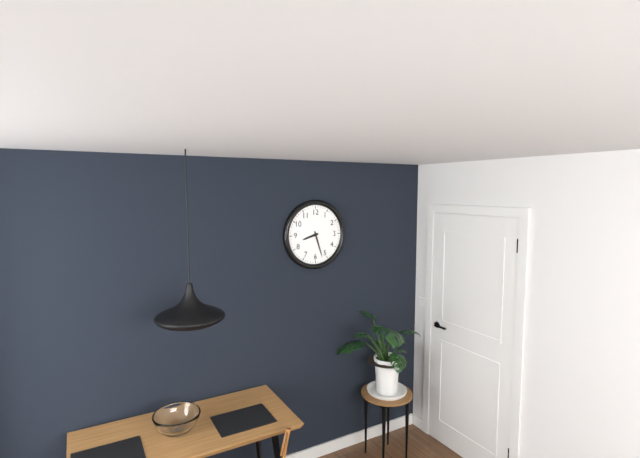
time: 8:27
